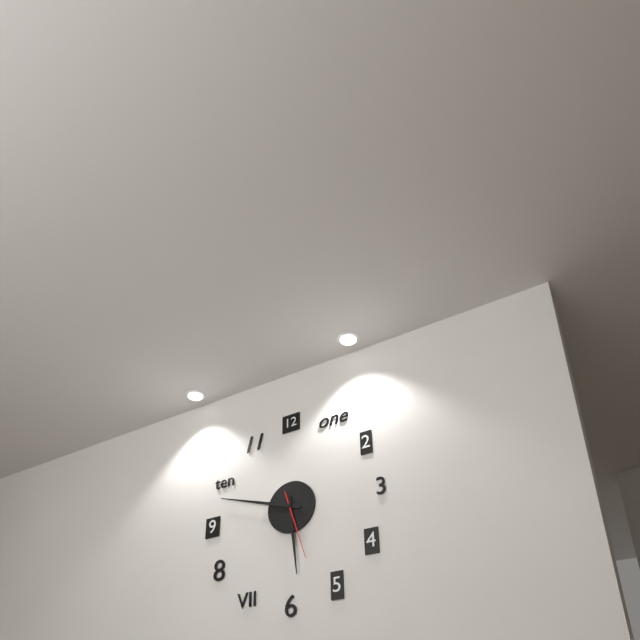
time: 5:48:27
